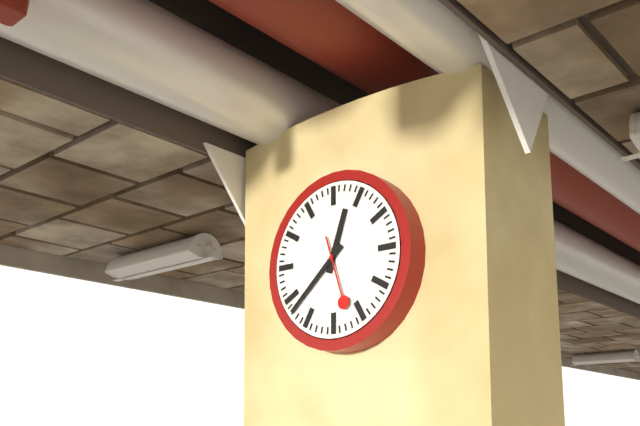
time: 12:38:27
